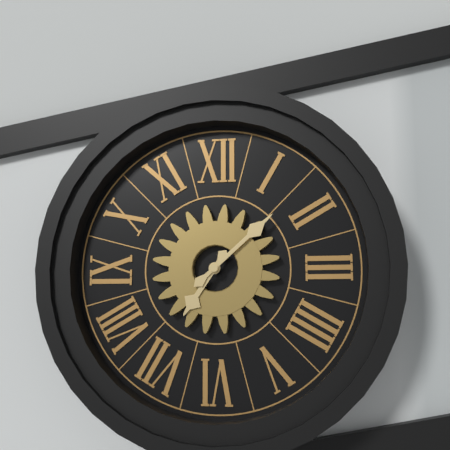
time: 7:08
